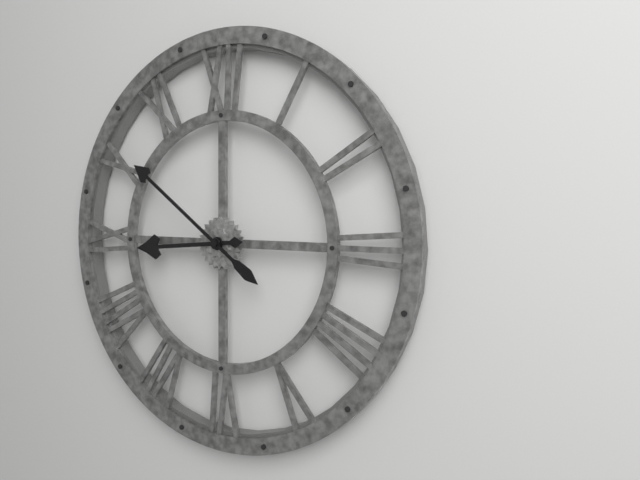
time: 8:51
